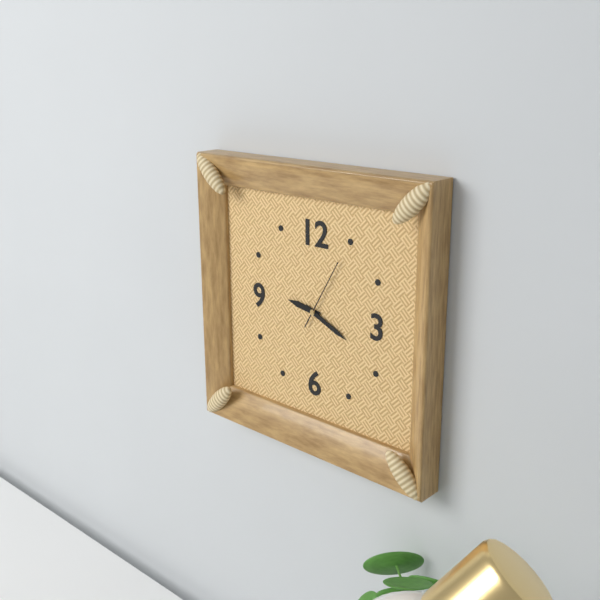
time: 9:19:05
